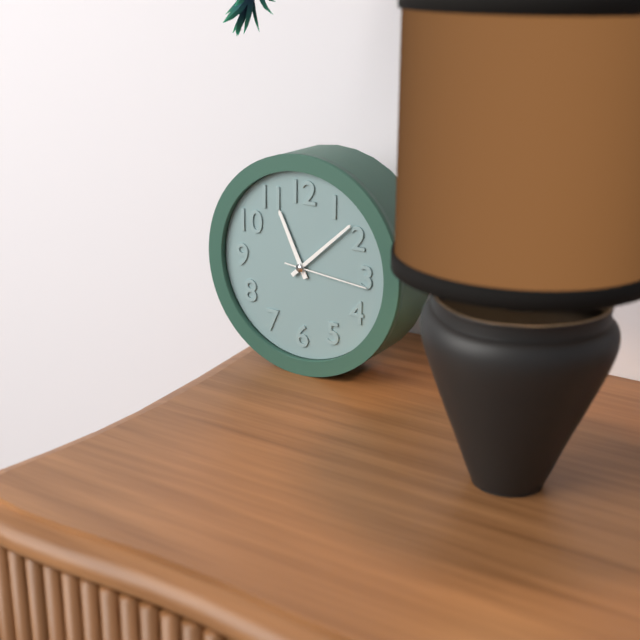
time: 11:08:16
